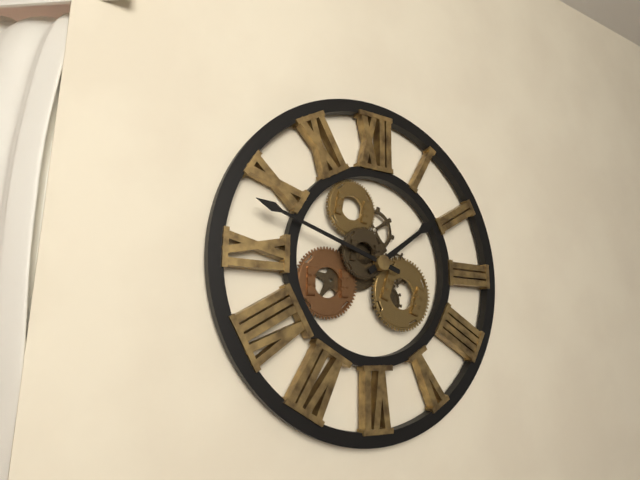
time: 1:48
